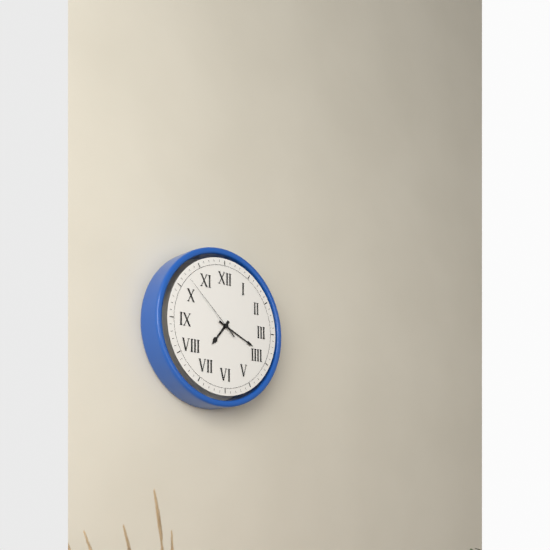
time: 7:19:52
